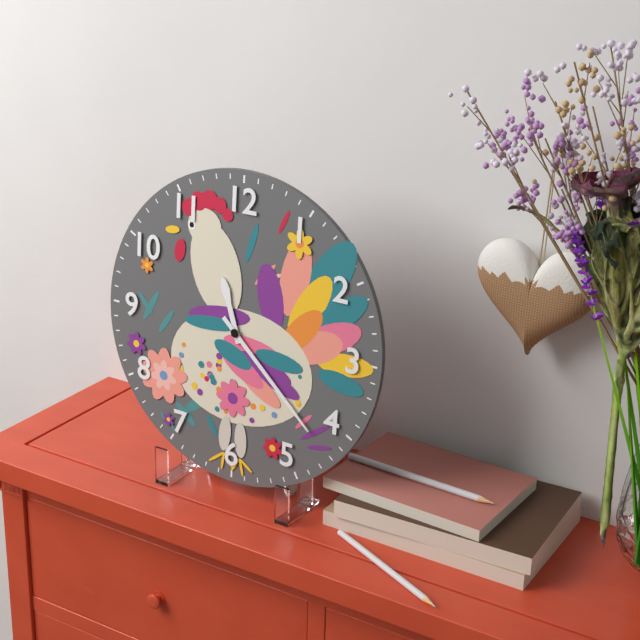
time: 11:22
